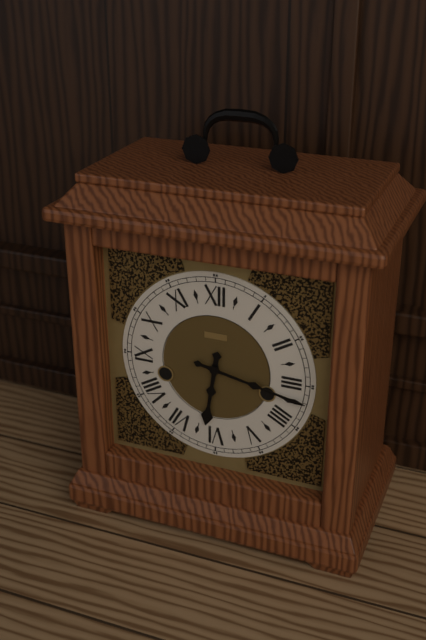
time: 6:17
